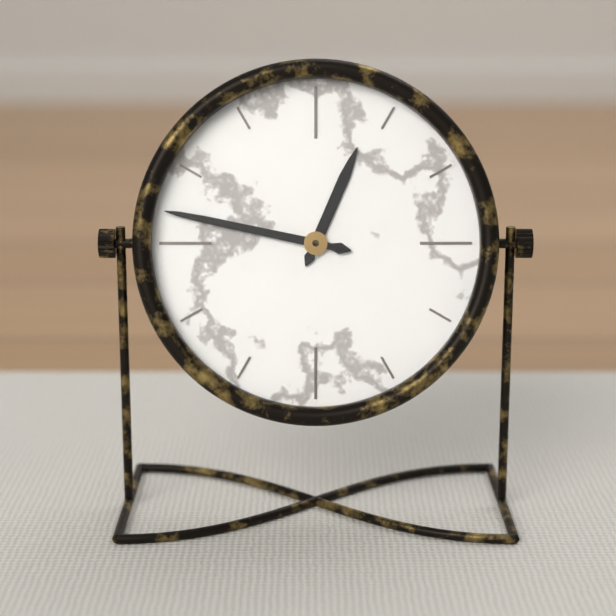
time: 12:47
